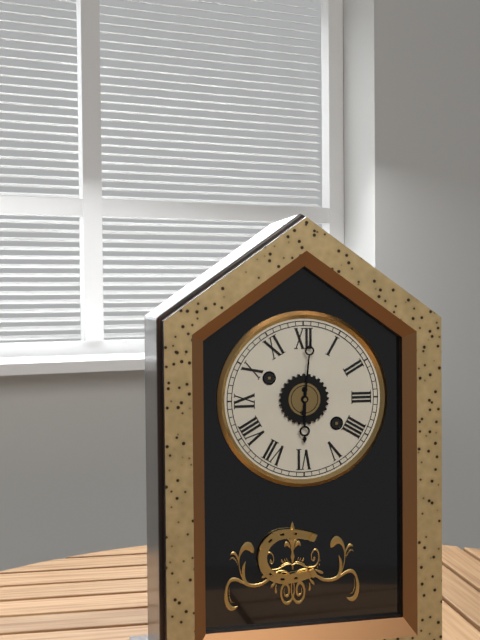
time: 6:01
